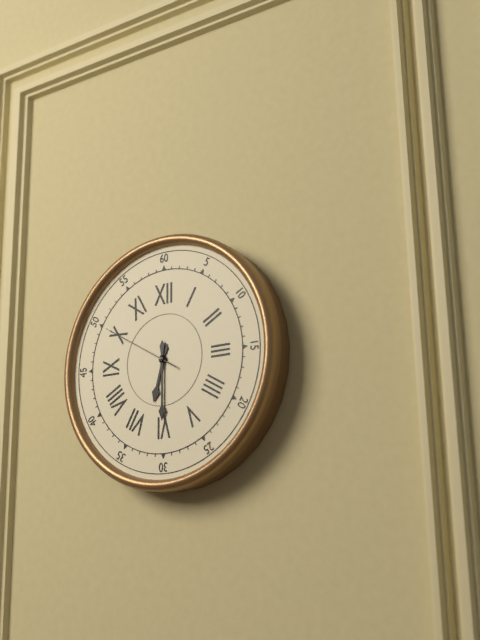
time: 6:30:50
